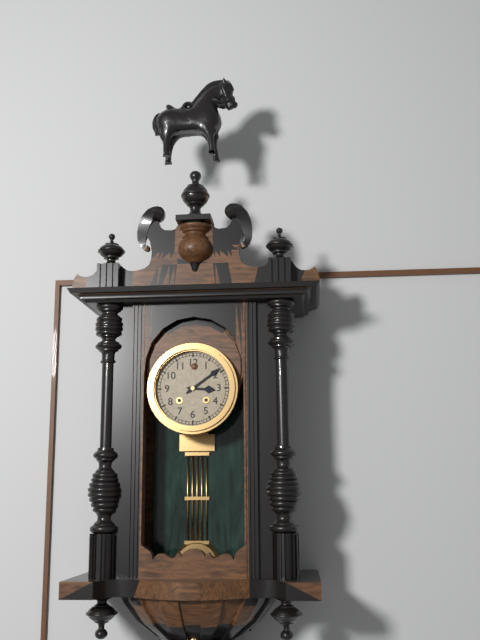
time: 3:09
